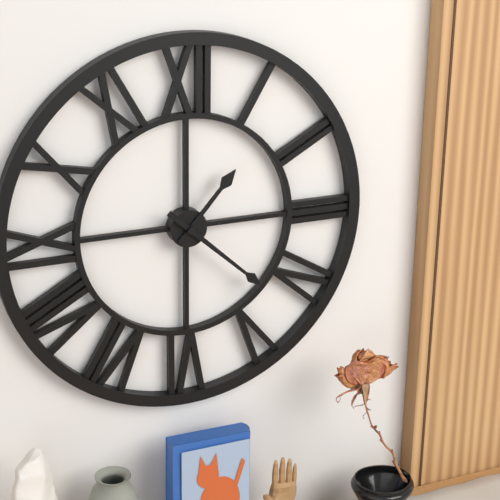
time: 1:22
